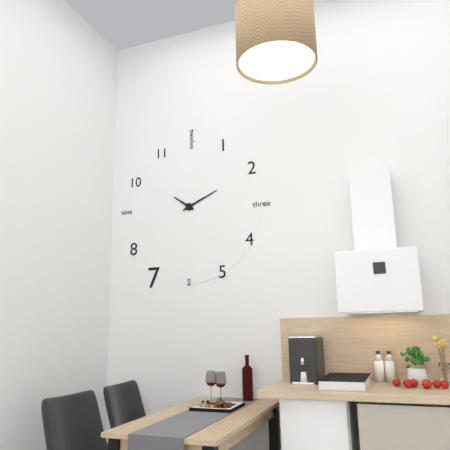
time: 10:11
